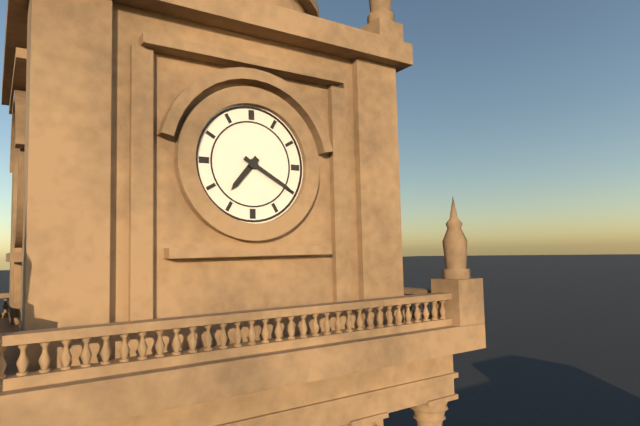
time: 7:20
